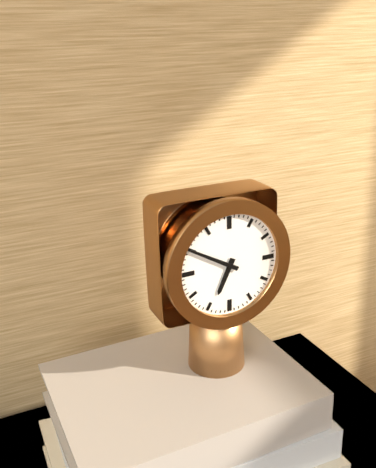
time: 6:50
